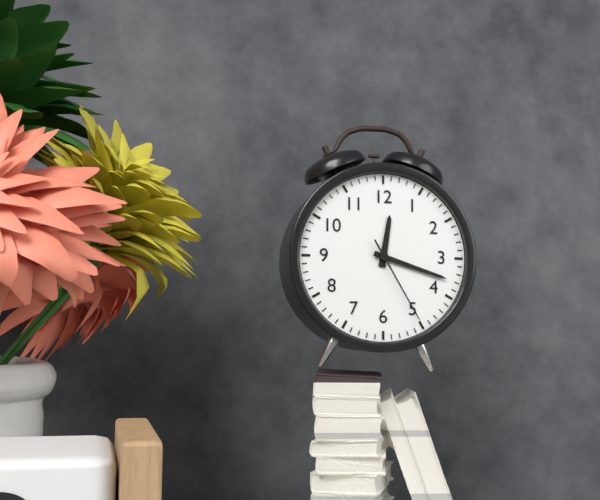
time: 12:18:25
